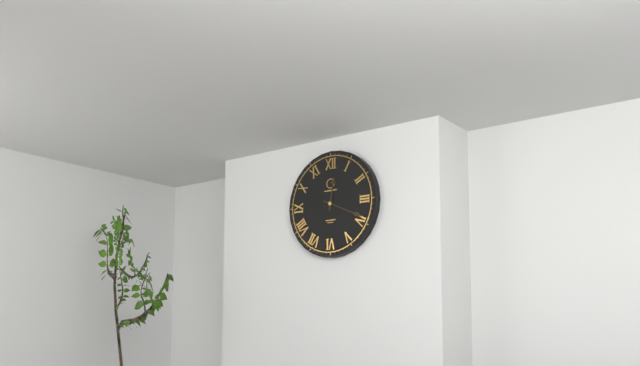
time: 12:19
